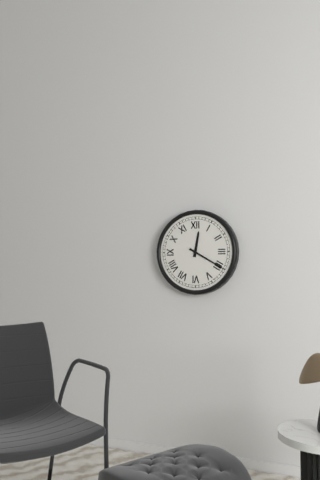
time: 12:20
